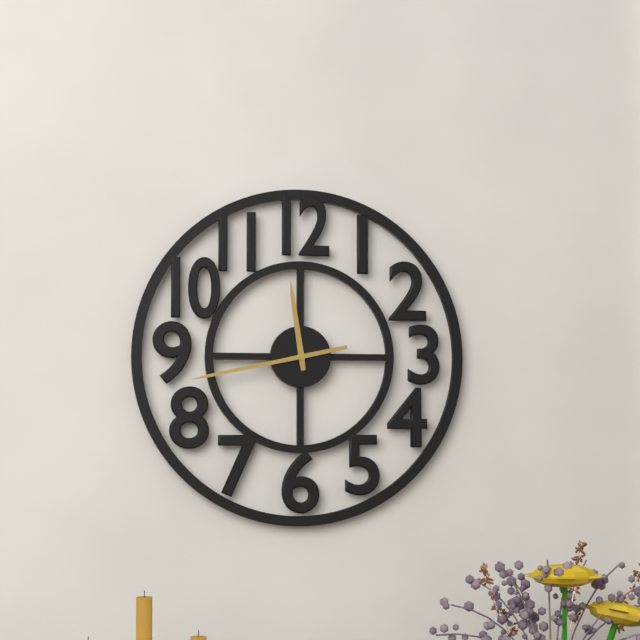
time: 11:43
